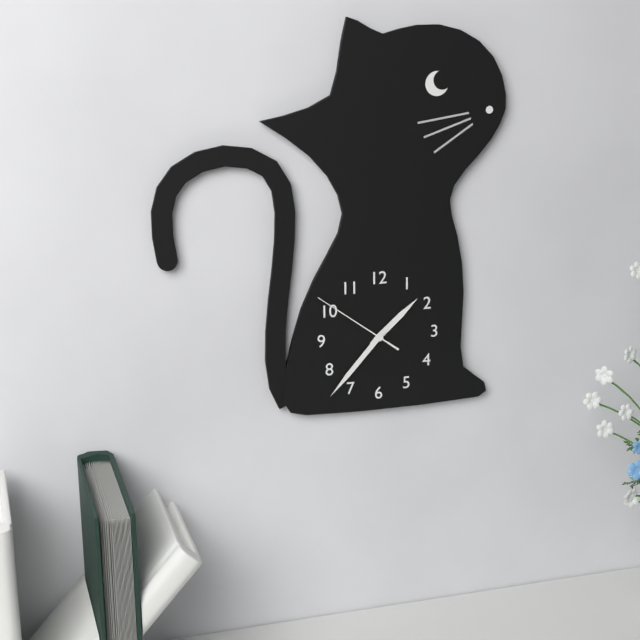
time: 1:37:51
